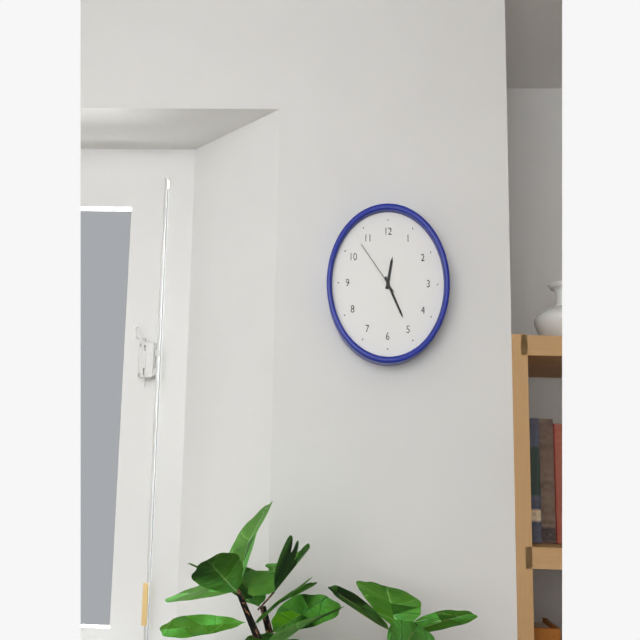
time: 12:25:53
